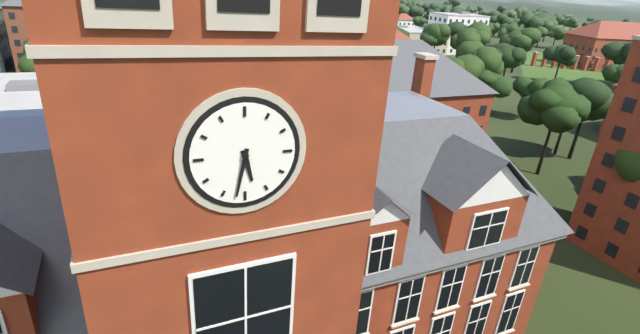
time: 5:32
